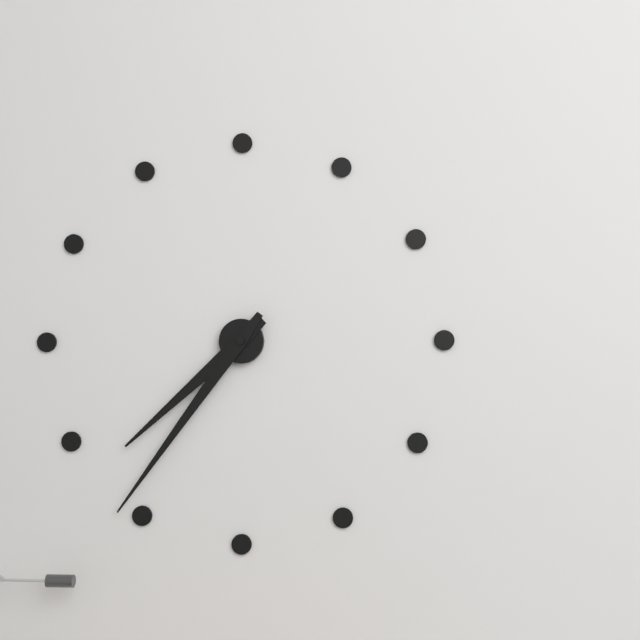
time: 7:36
